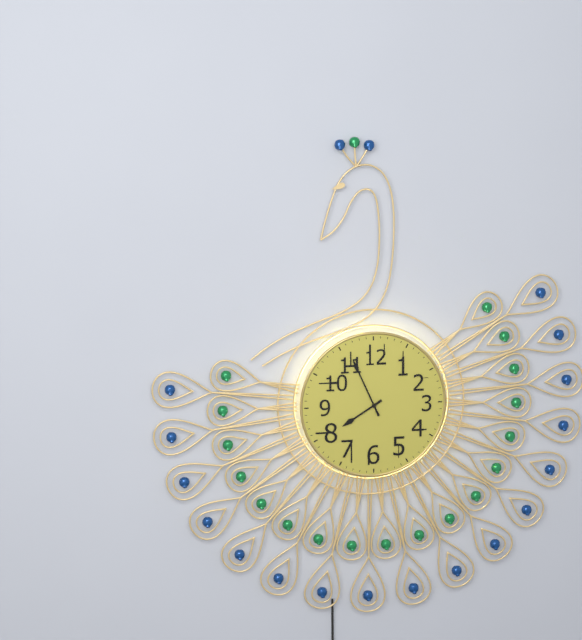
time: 7:56
